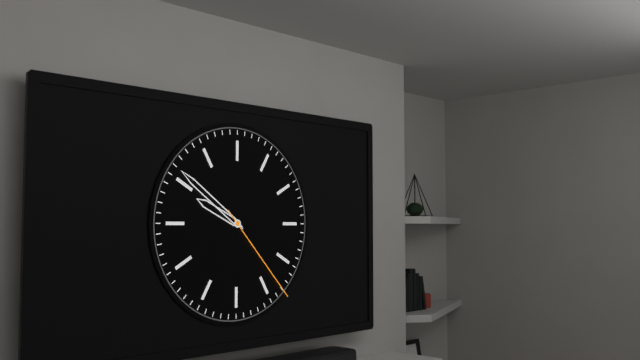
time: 9:51:23
